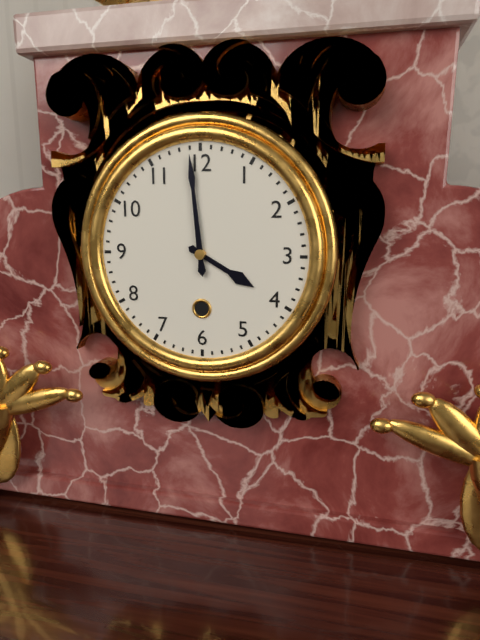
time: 3:59
